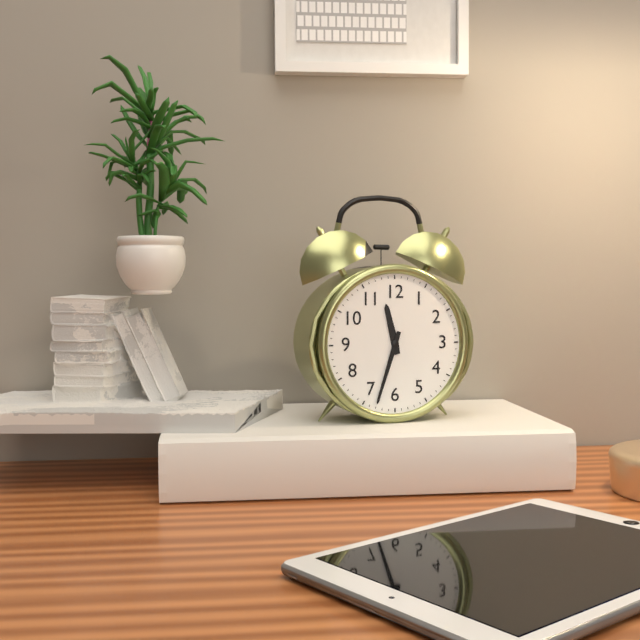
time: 11:33
